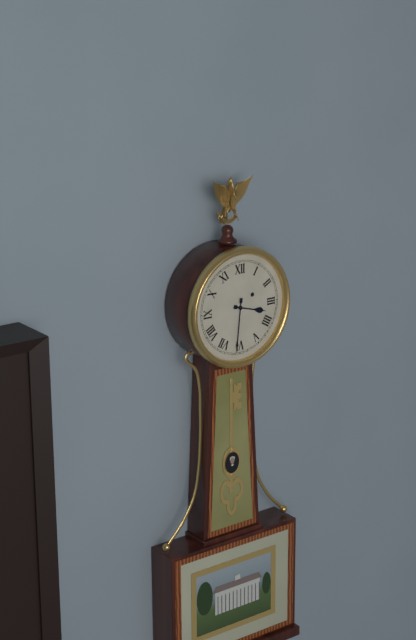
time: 3:31
